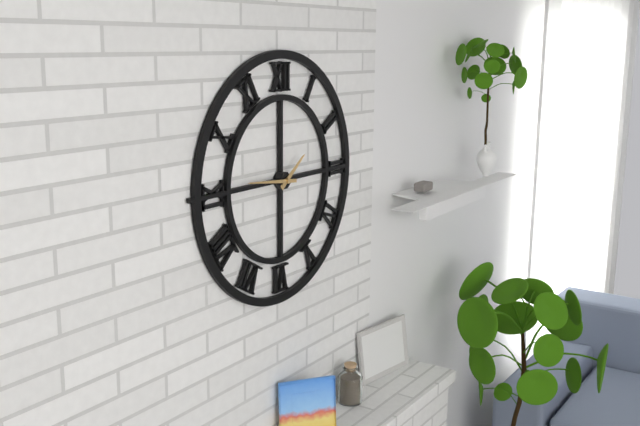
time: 1:46
